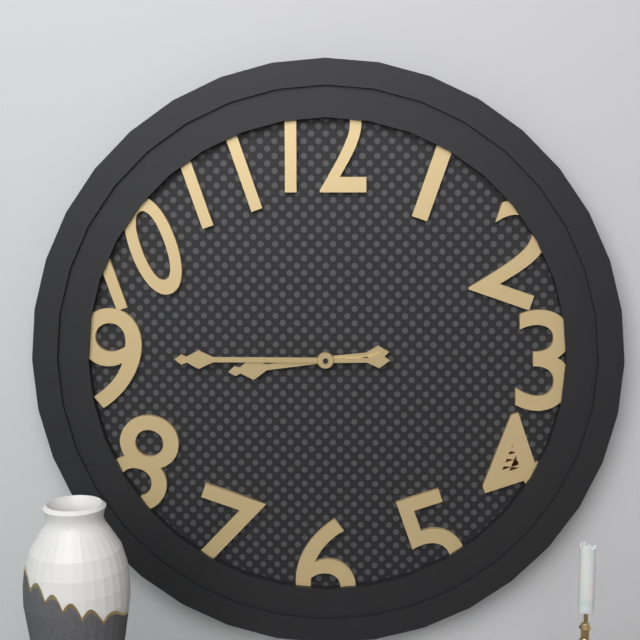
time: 8:45
